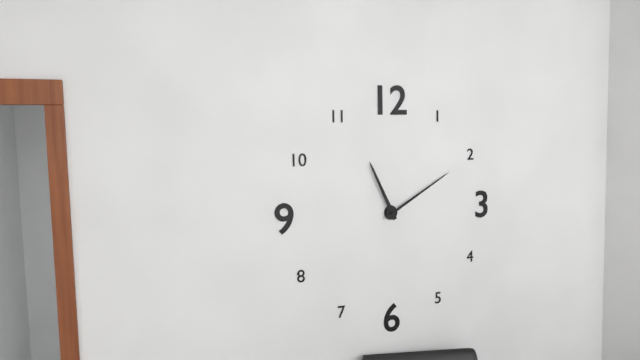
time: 11:10
